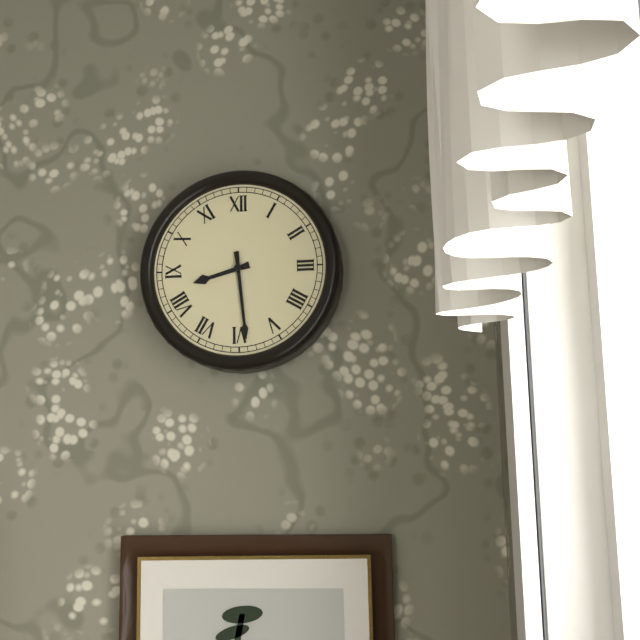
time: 8:29
